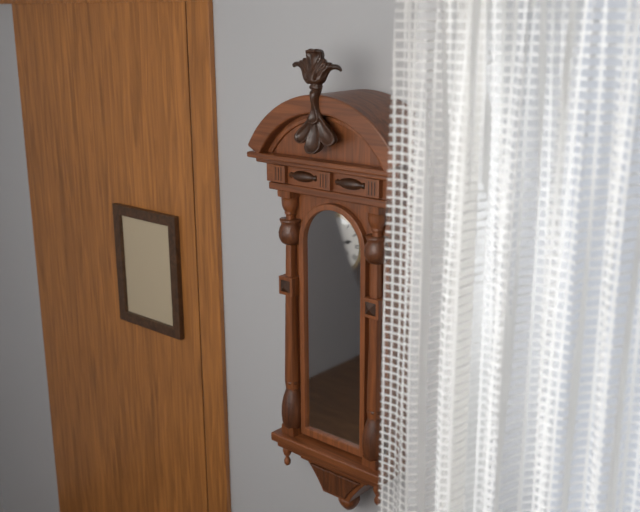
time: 2:29
